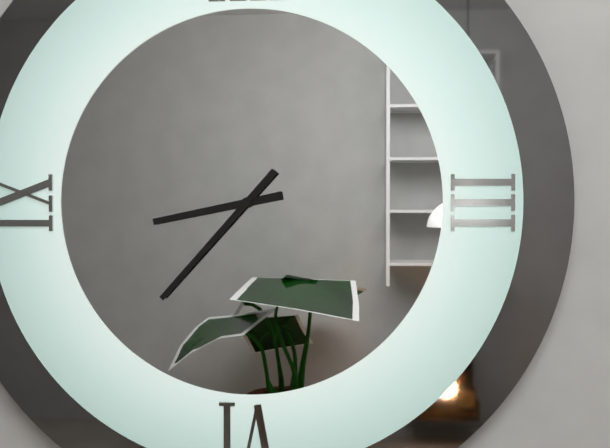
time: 8:37
